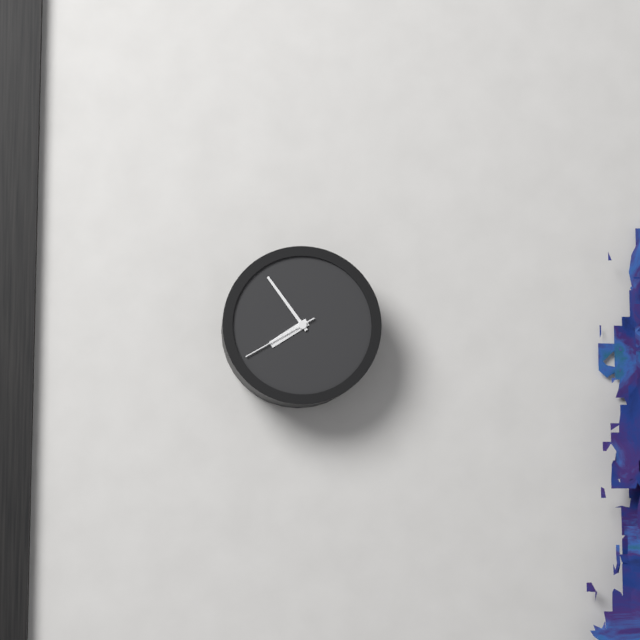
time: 7:54:40
